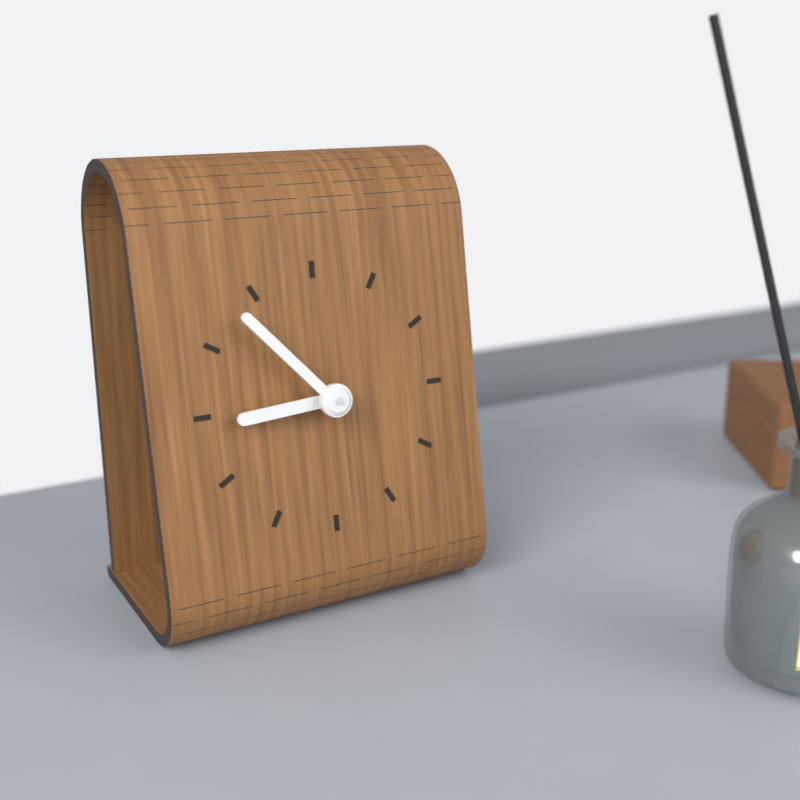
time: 8:53
